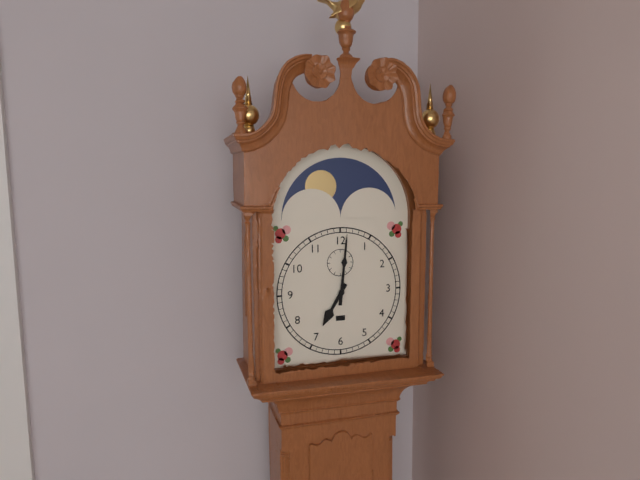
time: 7:01
